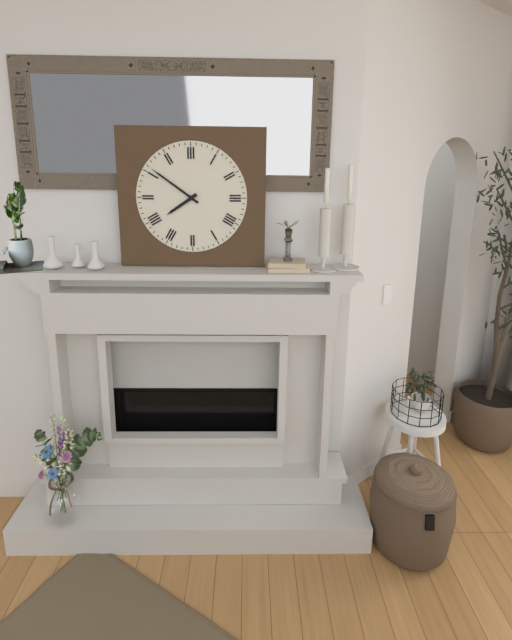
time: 7:51
